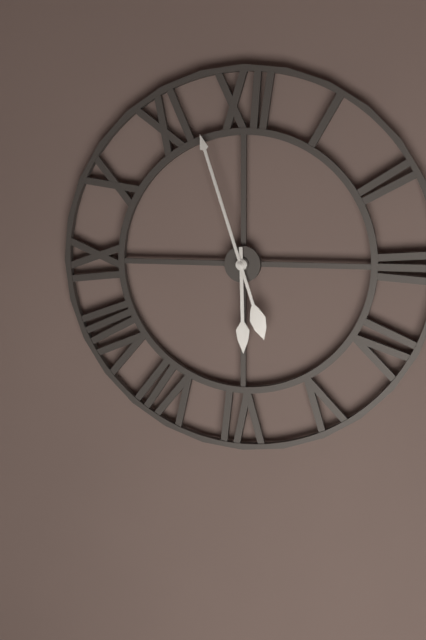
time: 5:57
